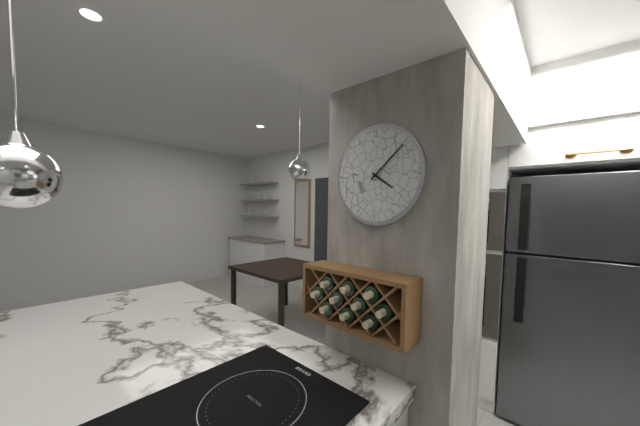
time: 4:08
